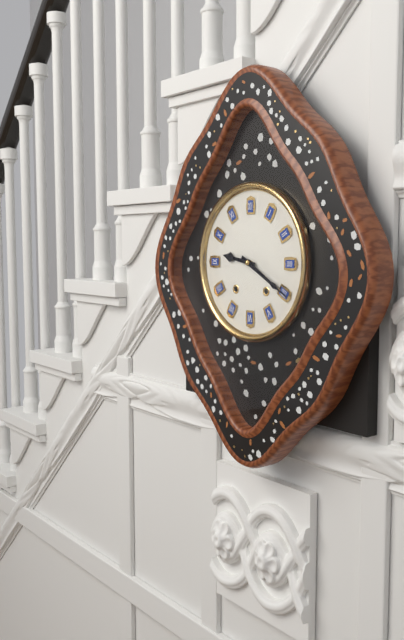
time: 9:20
